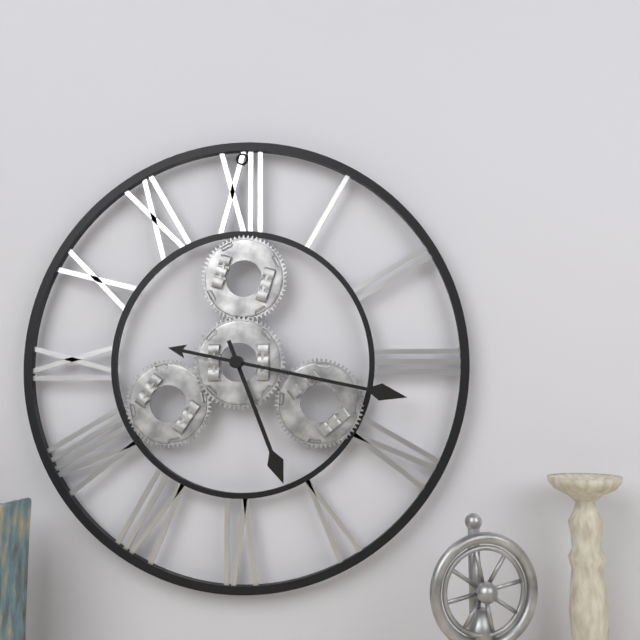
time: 5:17
